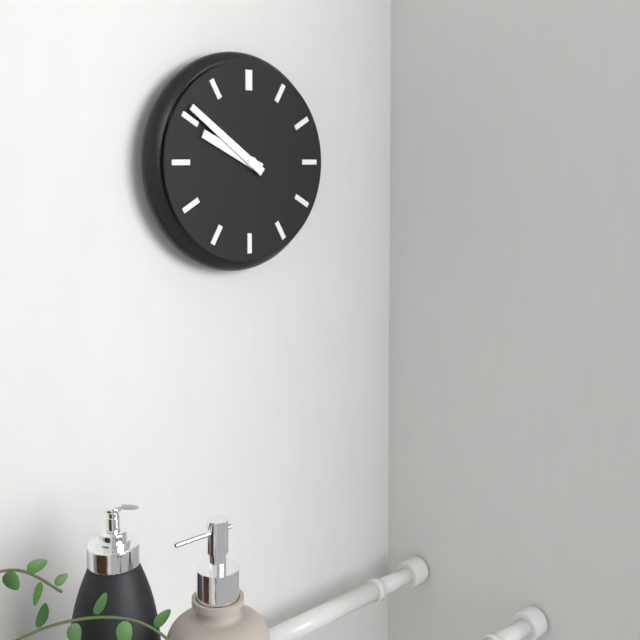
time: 9:51
